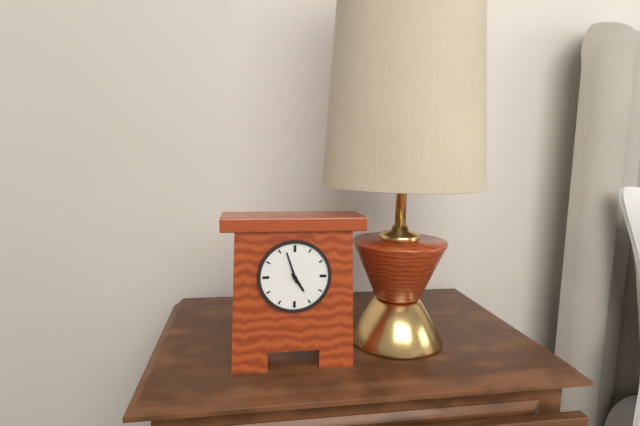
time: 4:57
